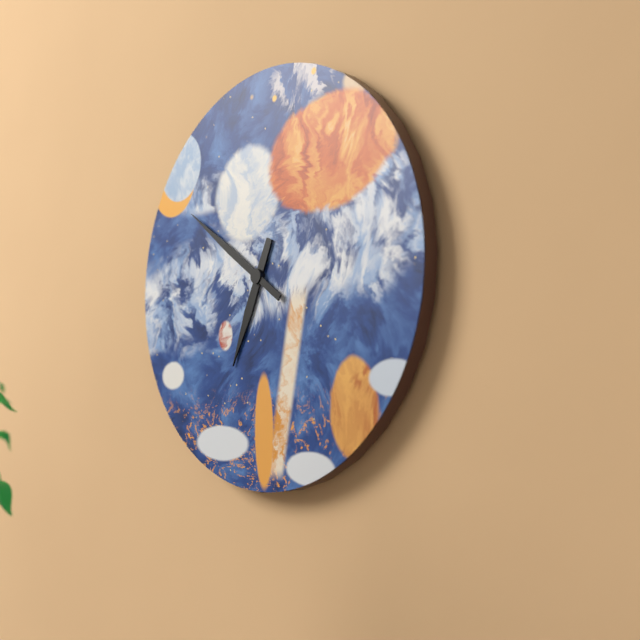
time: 6:51
